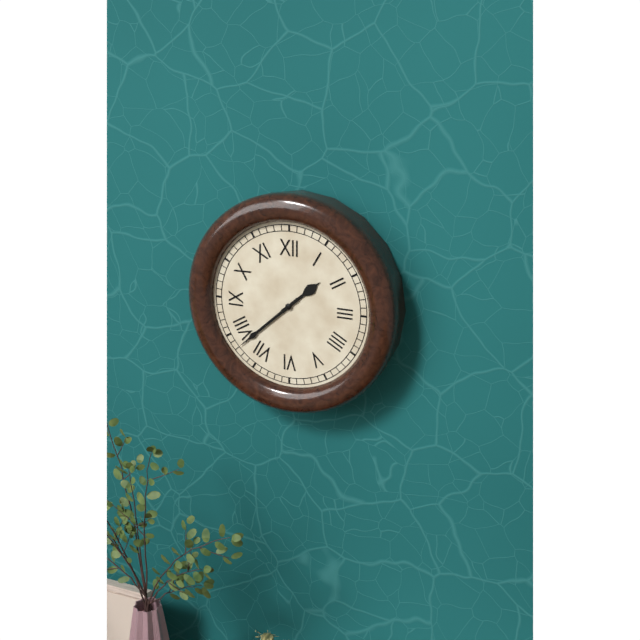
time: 1:38
